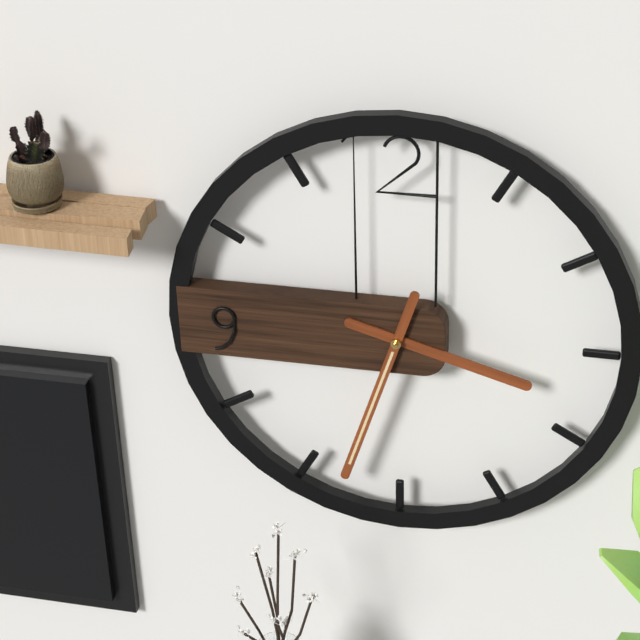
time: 3:33
